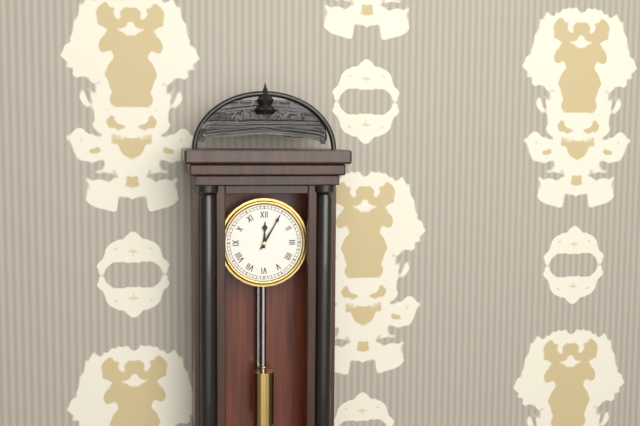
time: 12:05
